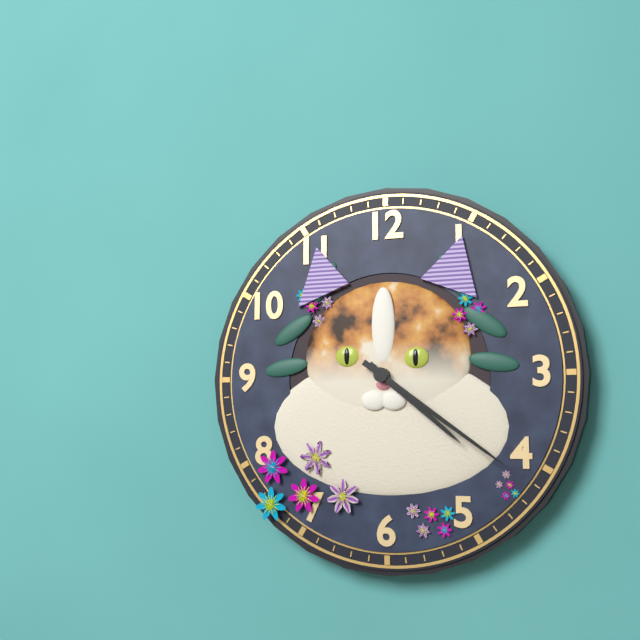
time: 4:21
